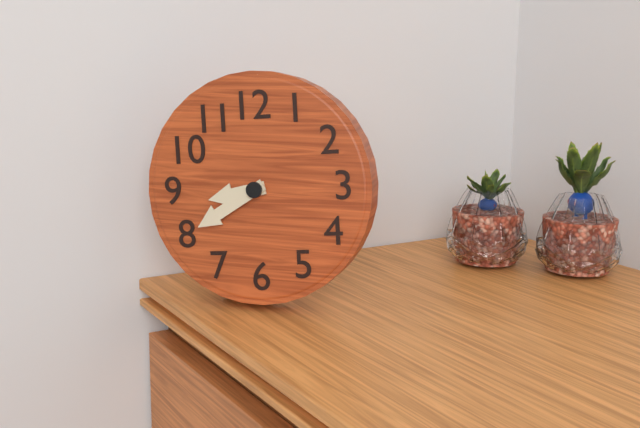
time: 8:40
